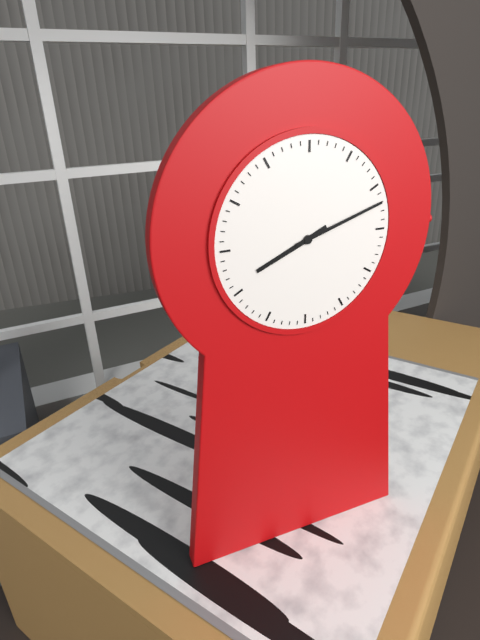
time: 8:12
